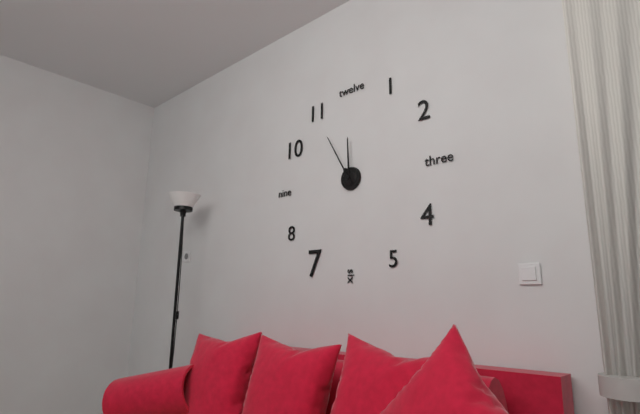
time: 11:55
